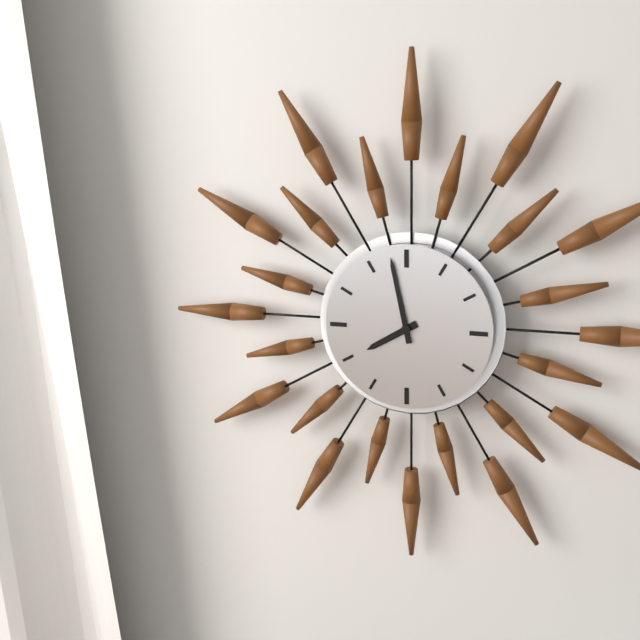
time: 7:58
